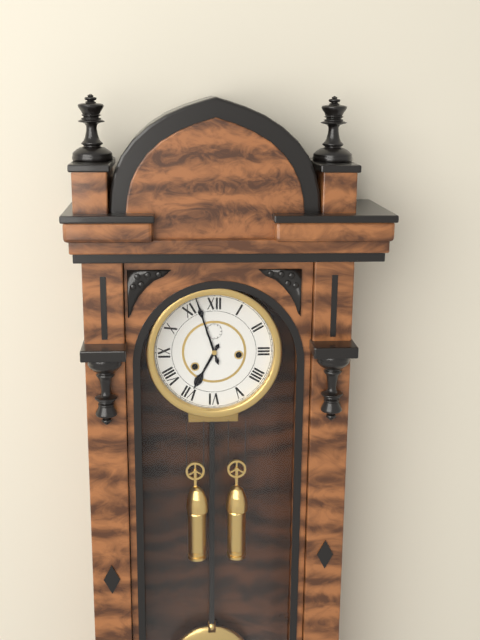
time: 6:57
